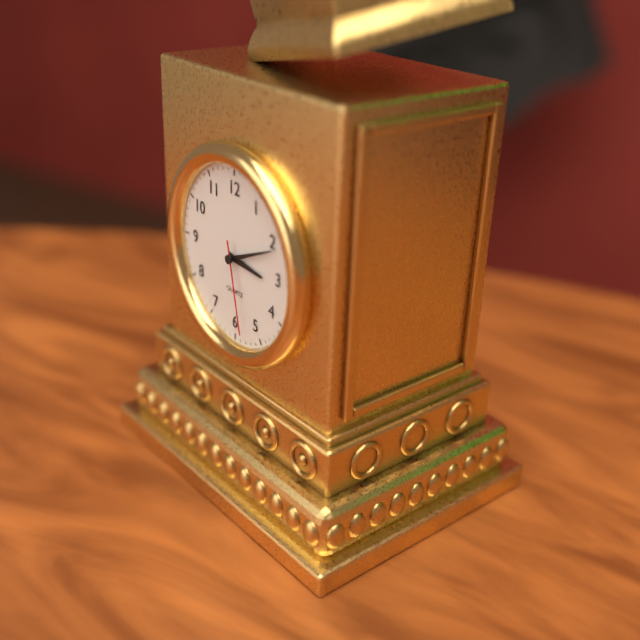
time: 3:11:28
